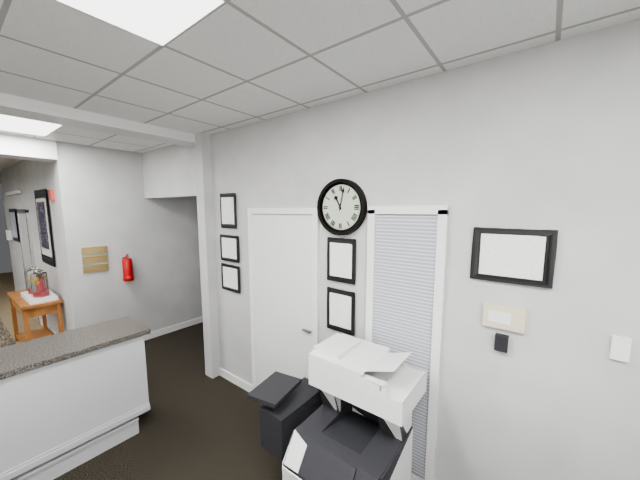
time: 11:02
